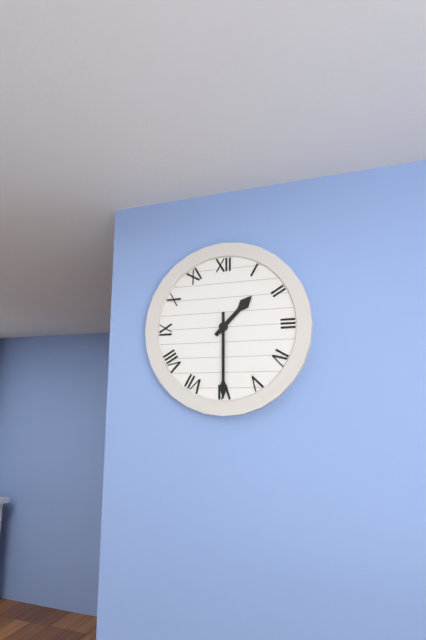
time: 1:30
